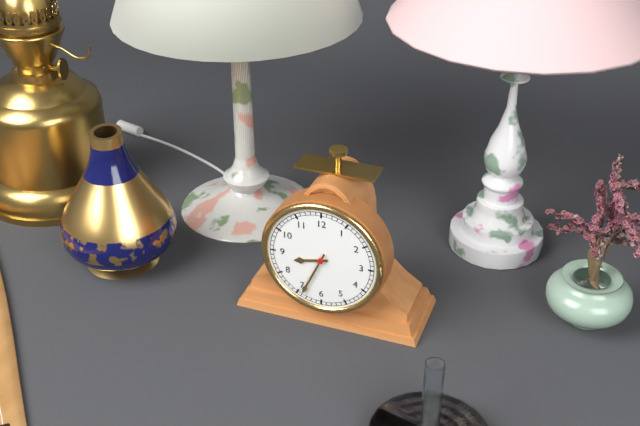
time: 8:34
